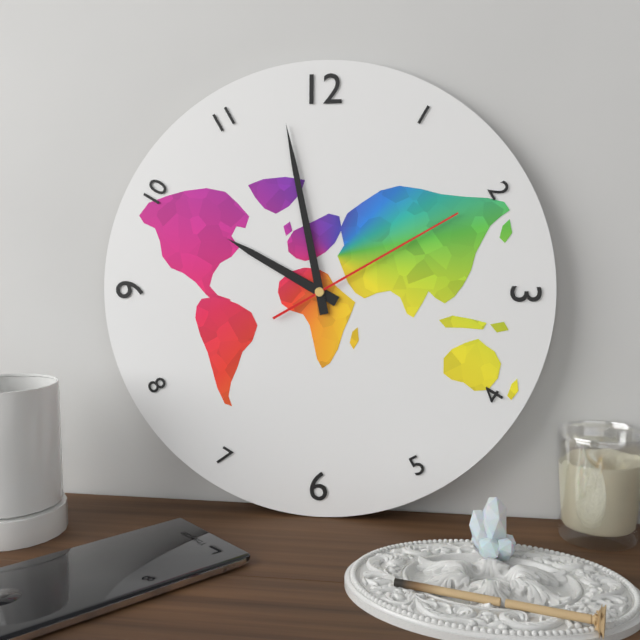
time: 9:58:10
